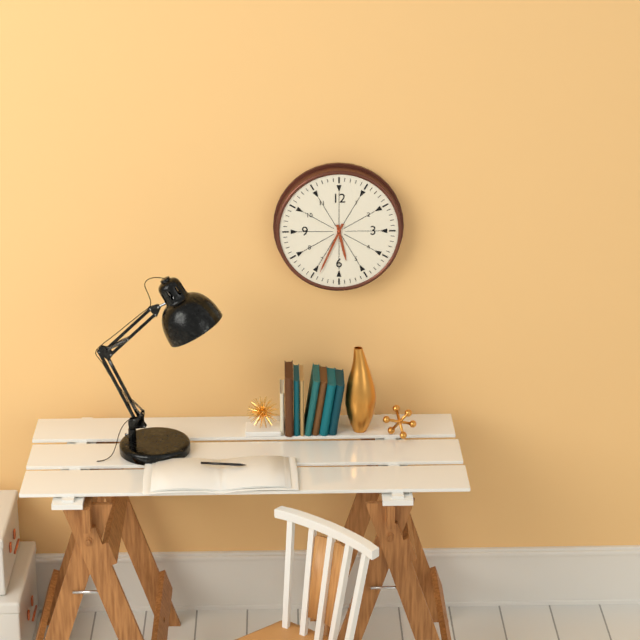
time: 5:34
